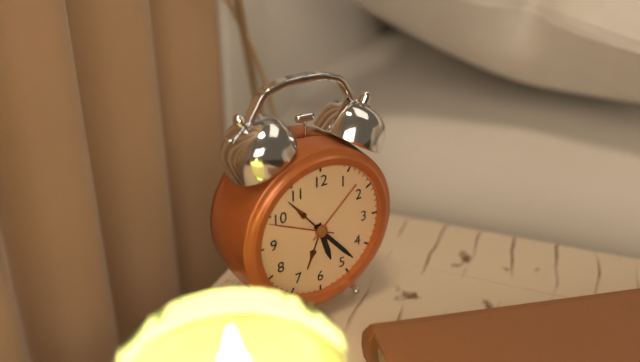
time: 5:23:49
